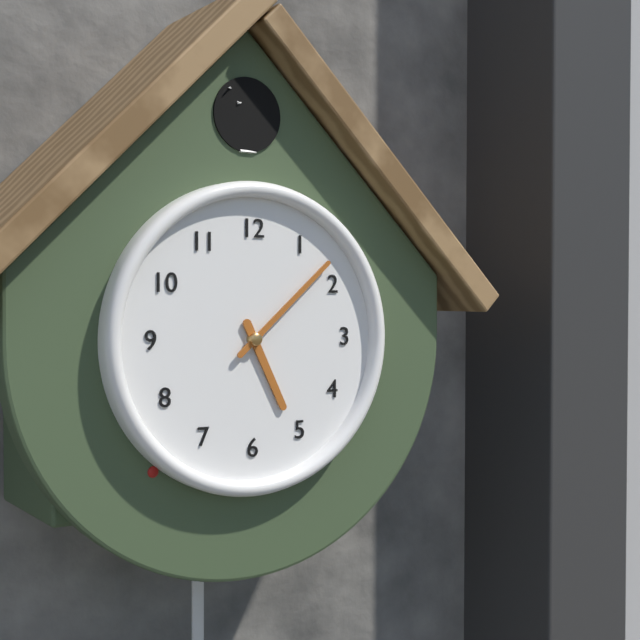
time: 5:08
